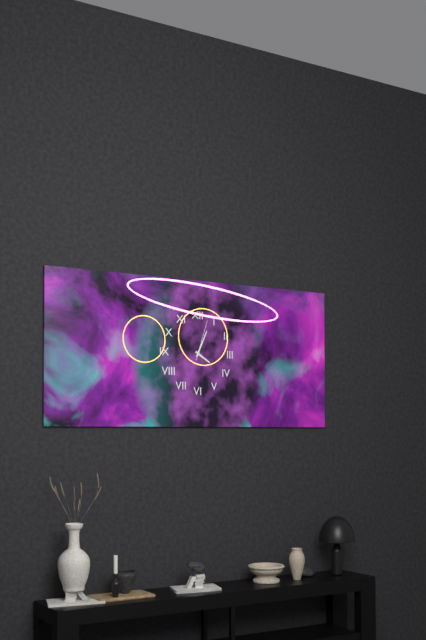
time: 4:04
